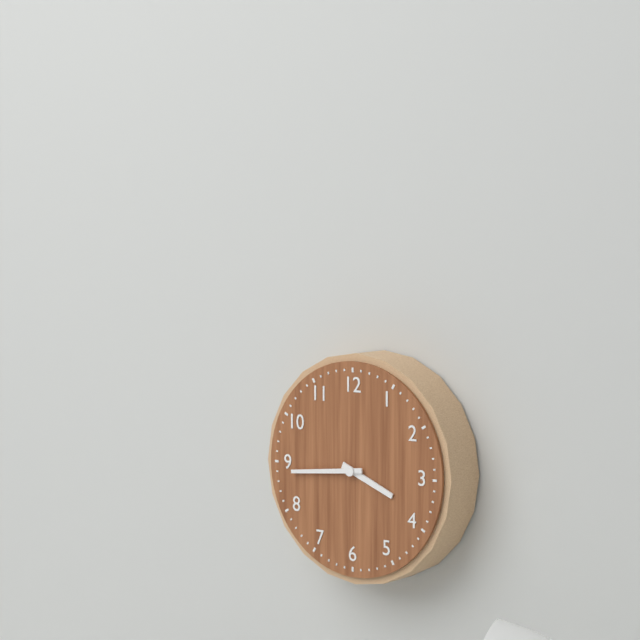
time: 3:44
